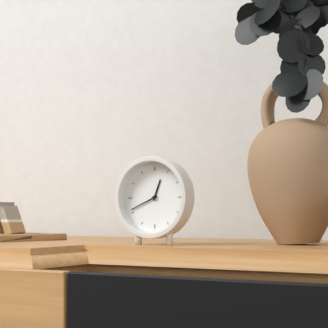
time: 12:41
